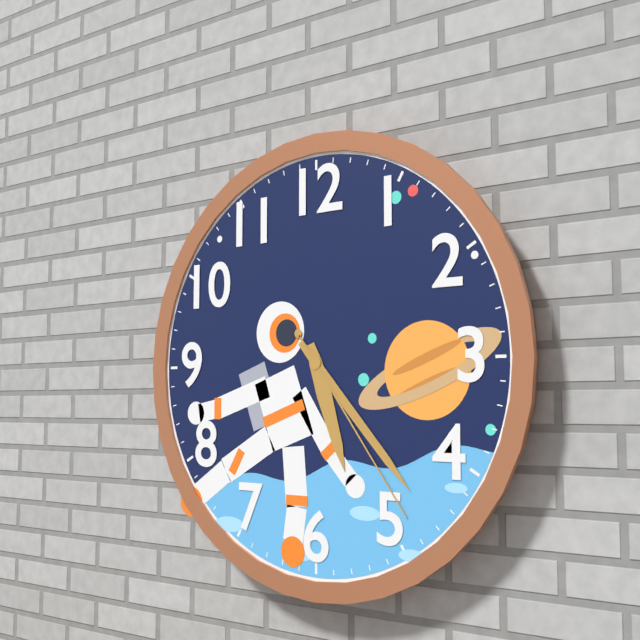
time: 5:23:24
